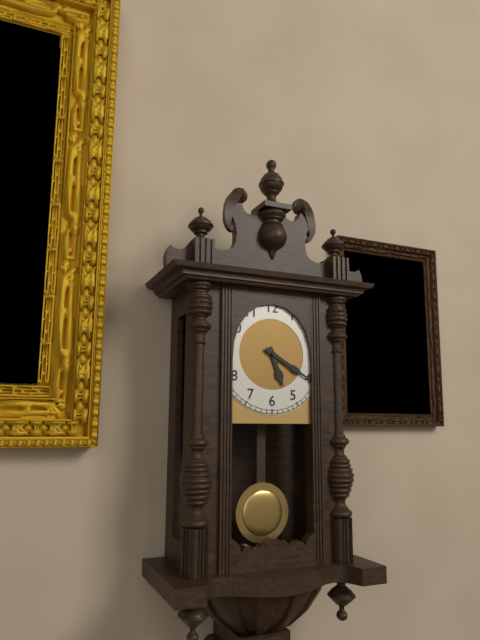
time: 5:20
